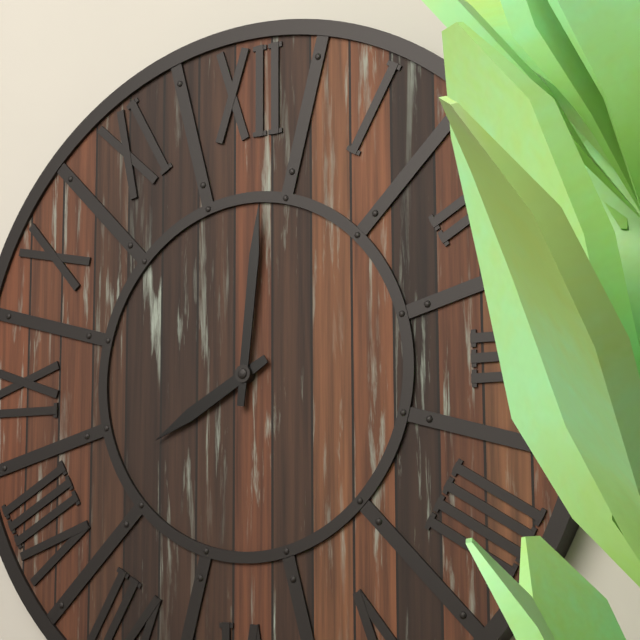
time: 8:01
